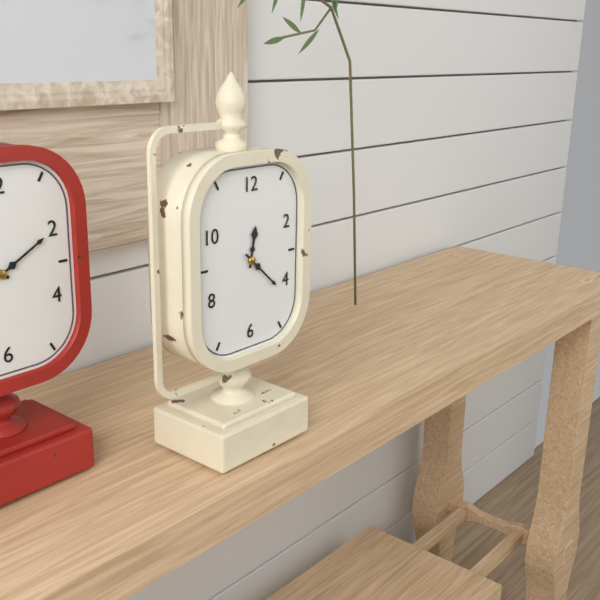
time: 12:22
